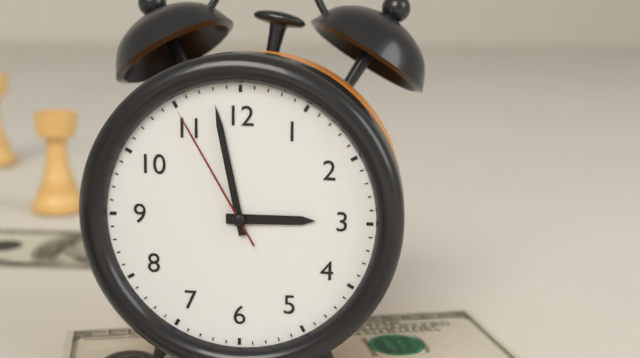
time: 2:58:55
